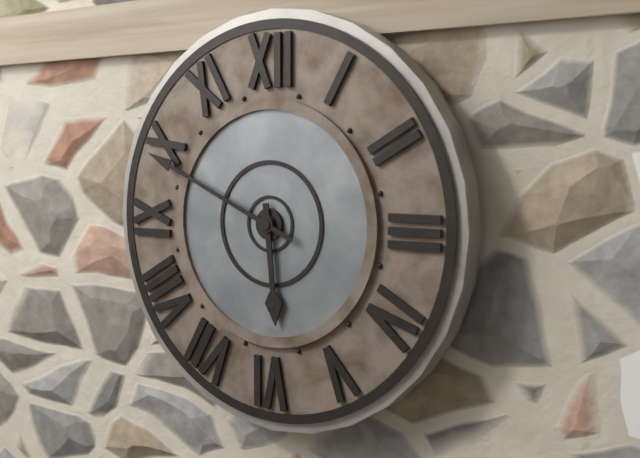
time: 5:49
